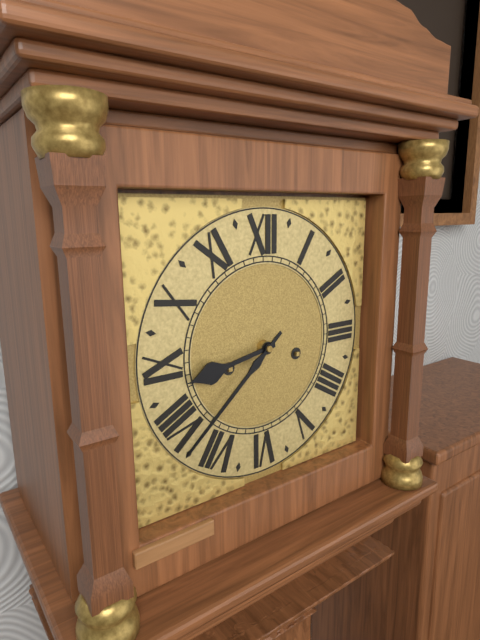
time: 8:38
